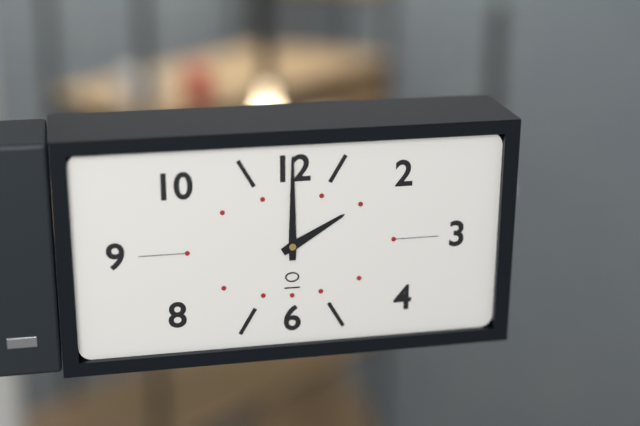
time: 2:00
